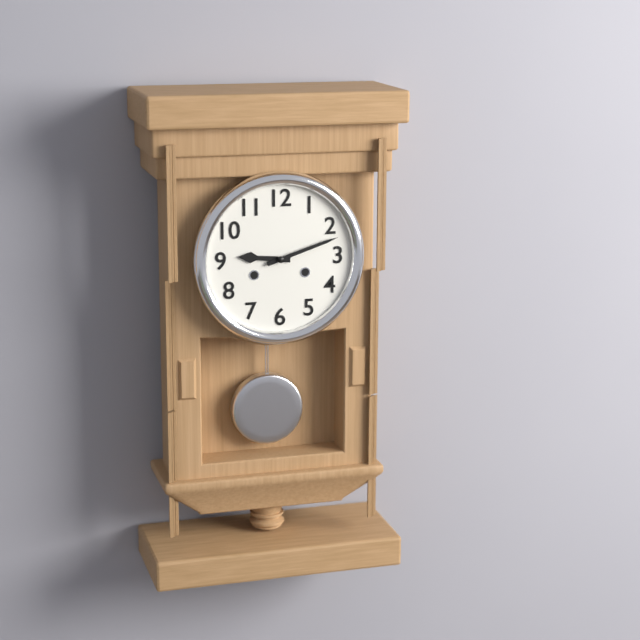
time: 9:12
